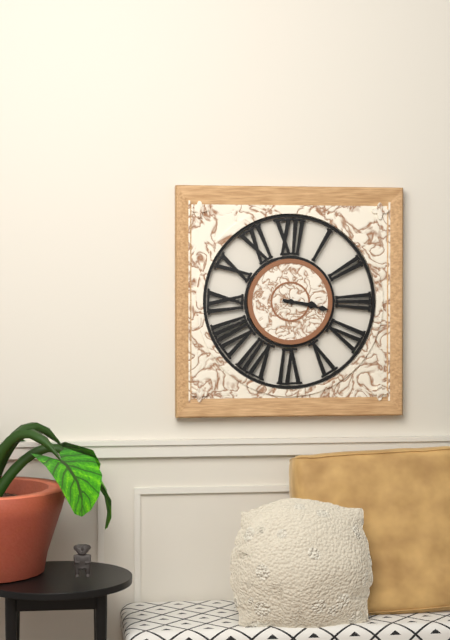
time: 3:17
